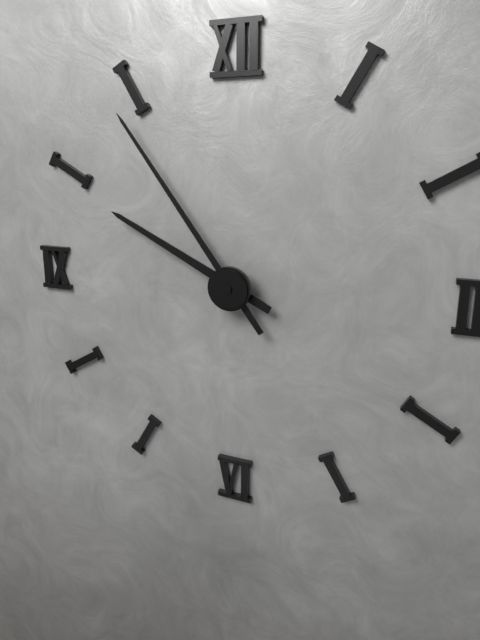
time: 9:54
